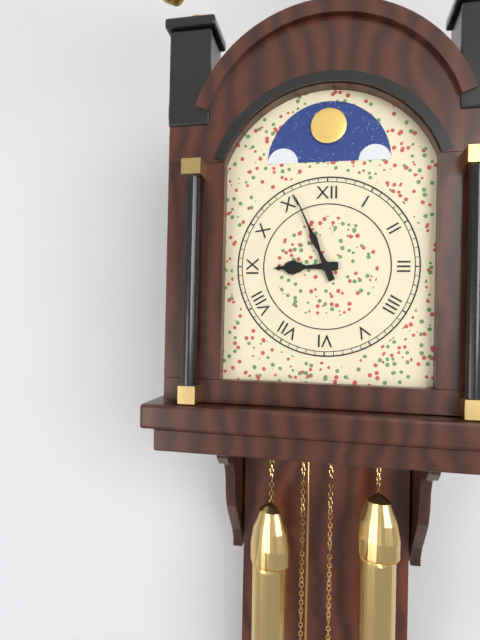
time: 8:56
